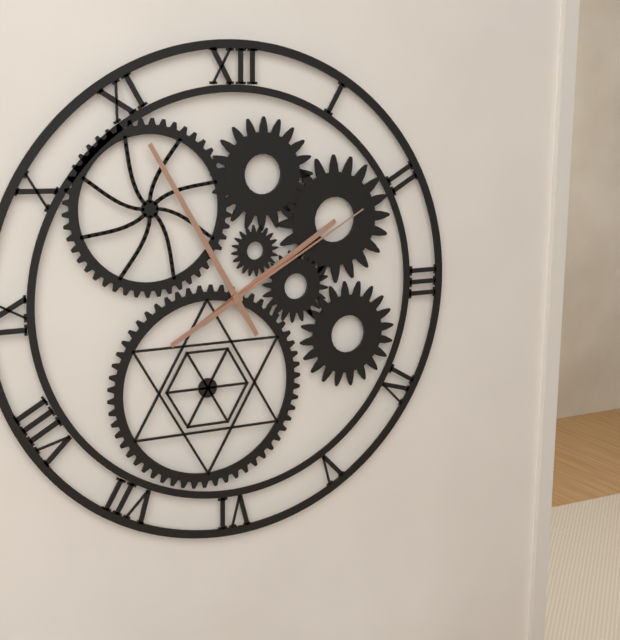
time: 1:55:10
